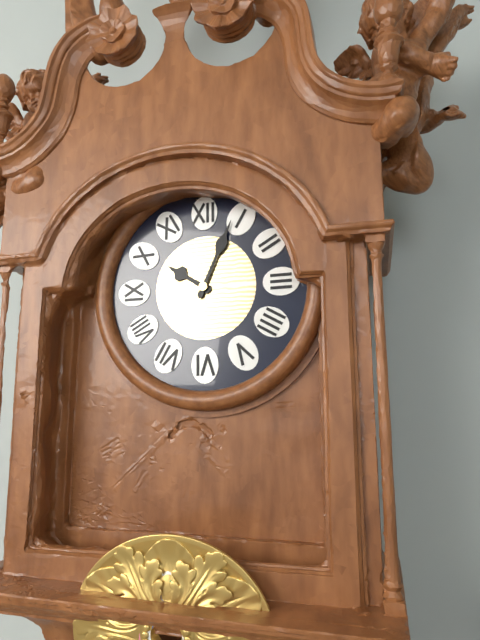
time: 10:04
